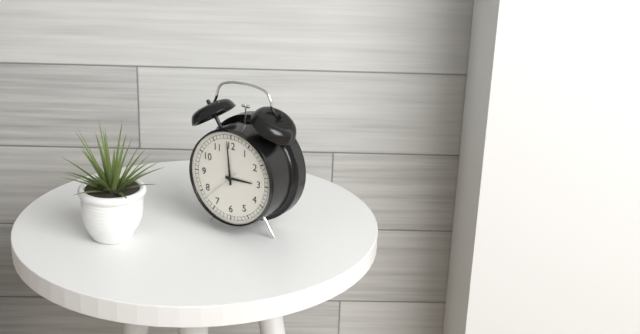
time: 2:59
